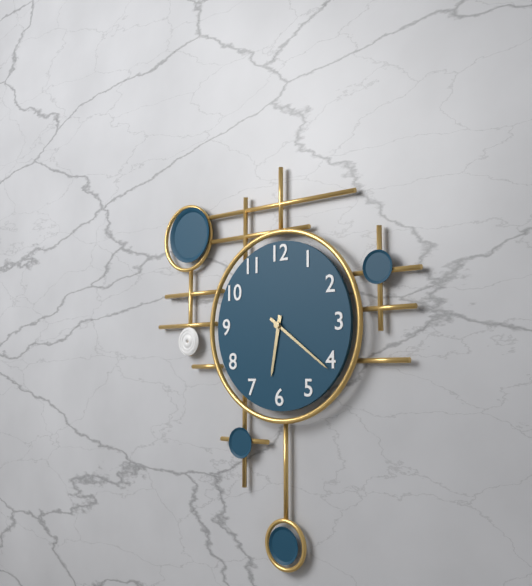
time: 6:21
